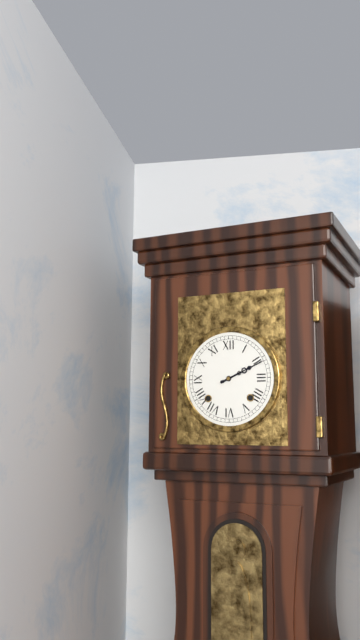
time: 2:11
